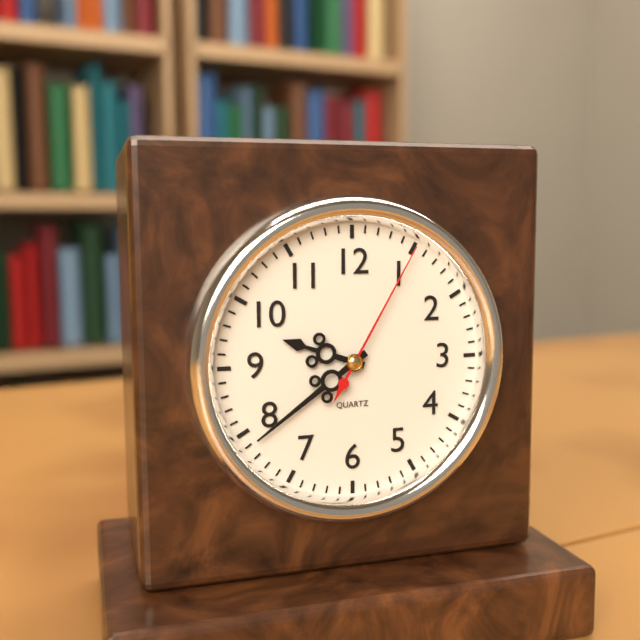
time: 9:39:05
